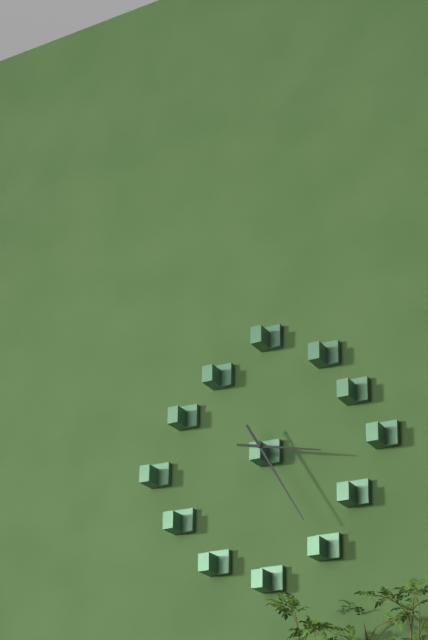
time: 3:25
